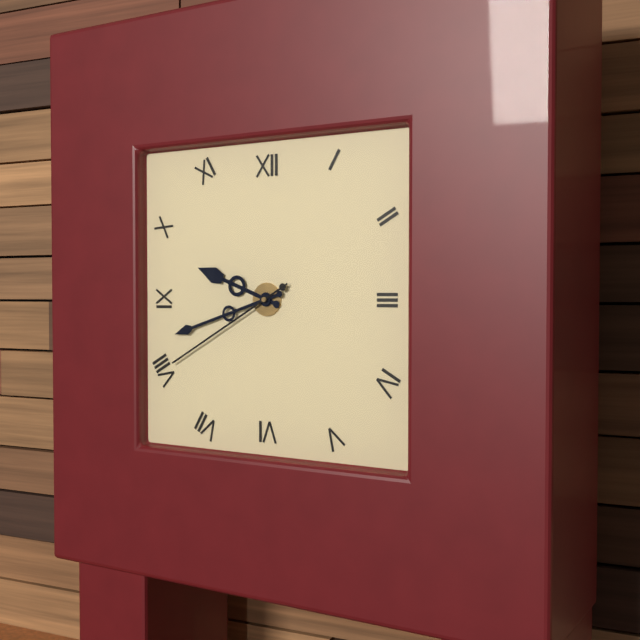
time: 9:42:40
